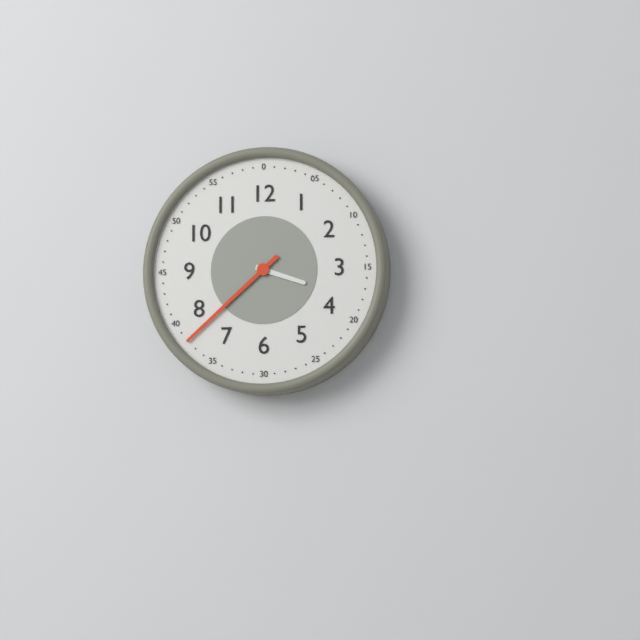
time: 3:38
